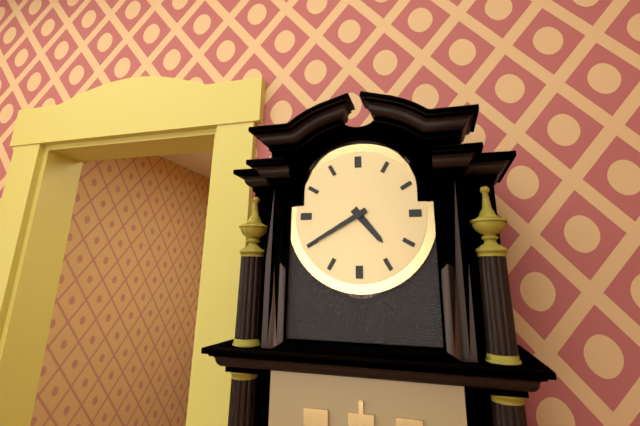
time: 4:40
